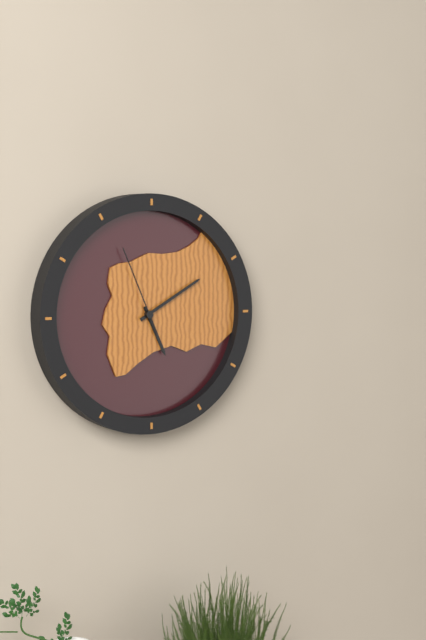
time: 5:10:56
